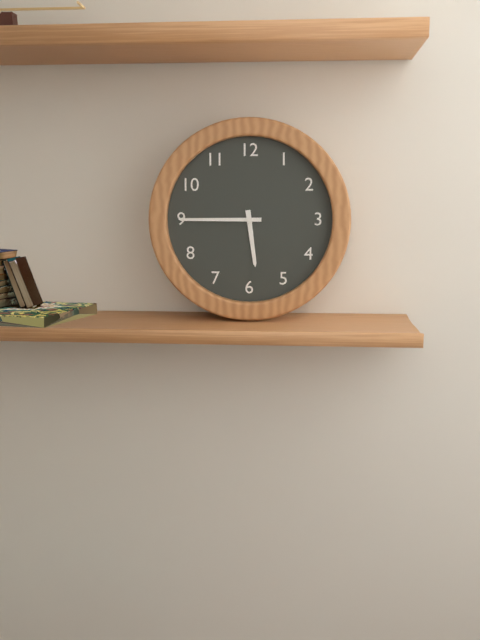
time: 5:45
